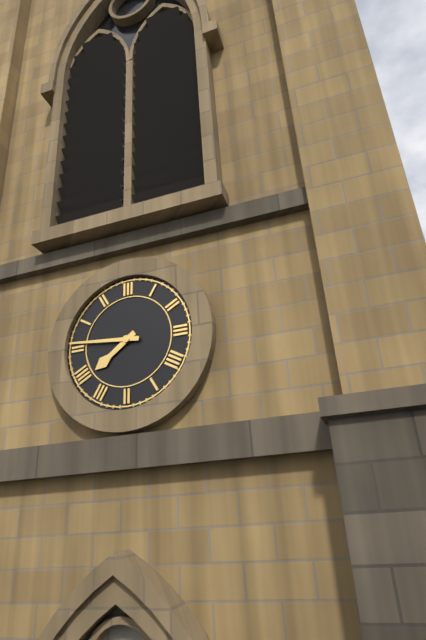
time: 7:46
